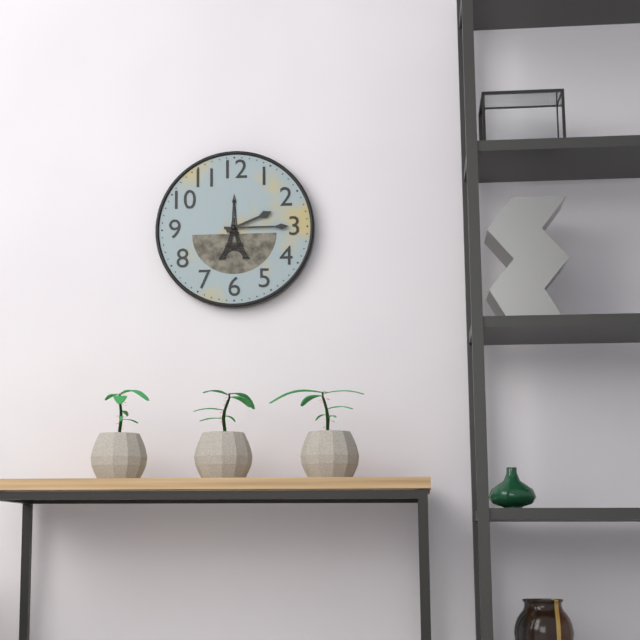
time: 2:15
